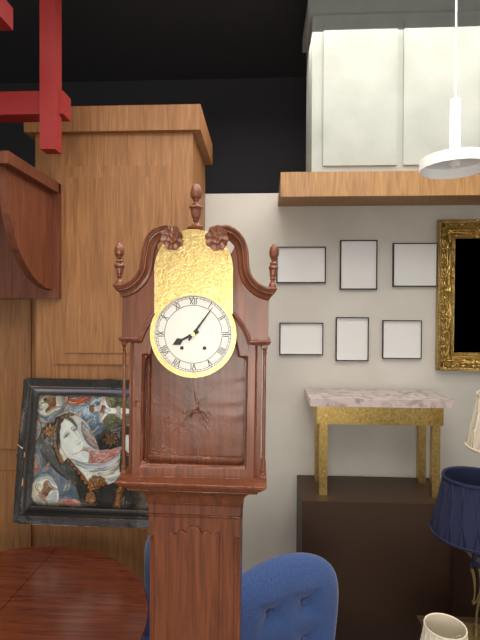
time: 8:06
